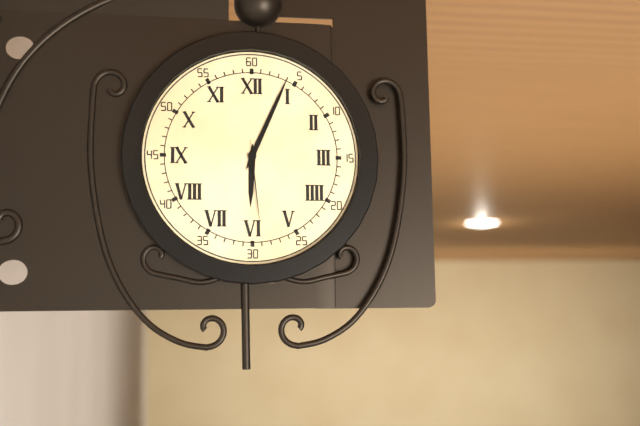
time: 6:04:29
